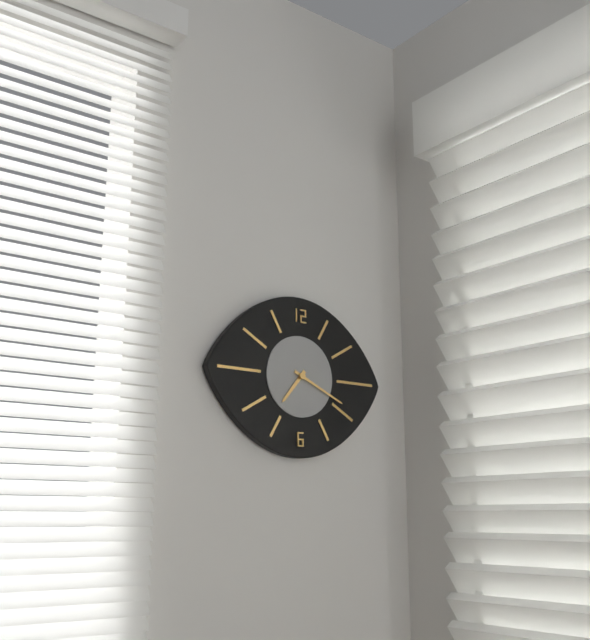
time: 7:19
